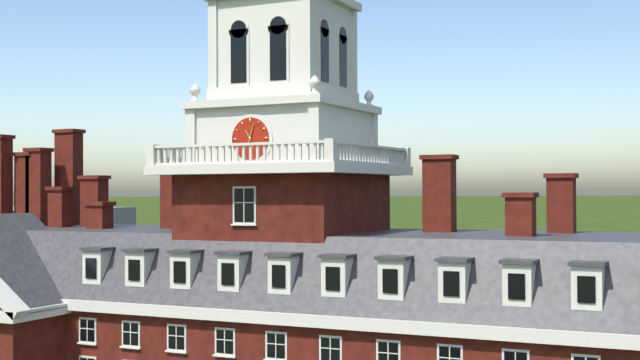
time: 11:03
